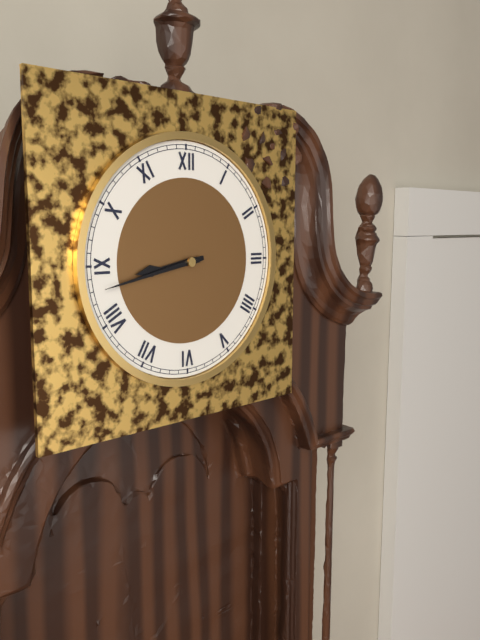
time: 8:43
